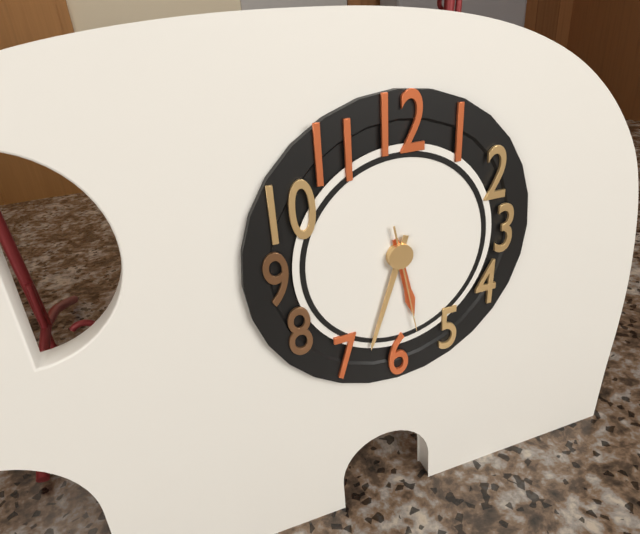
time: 5:33:28
